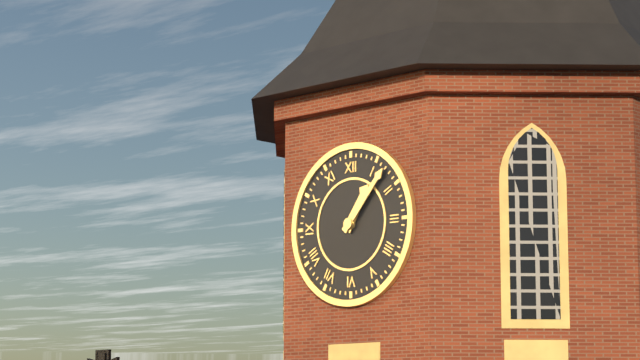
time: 1:07
